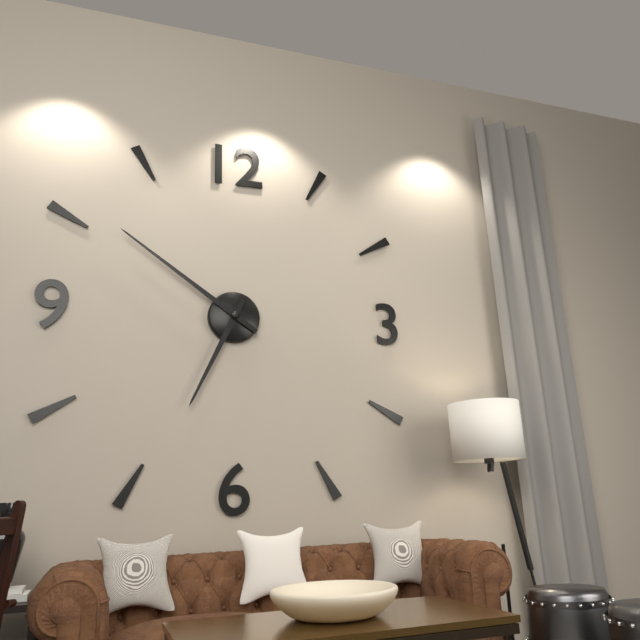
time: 6:51
